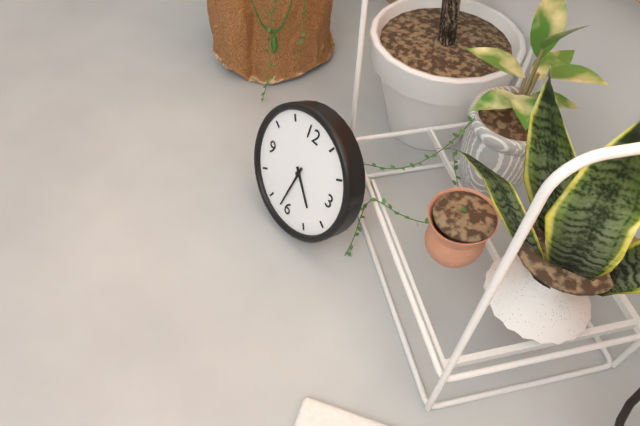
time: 4:32
